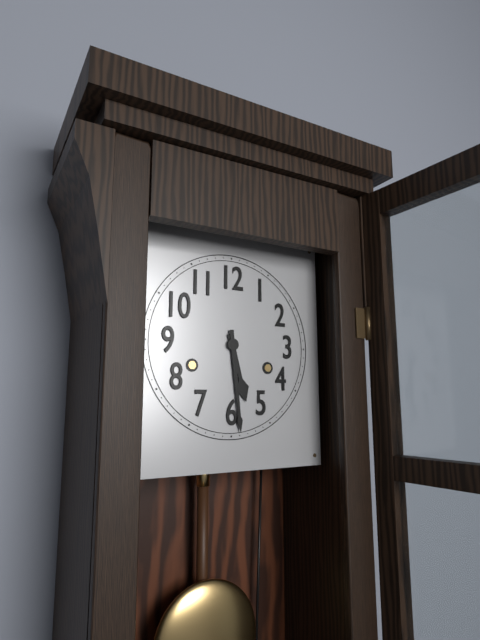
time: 5:29
